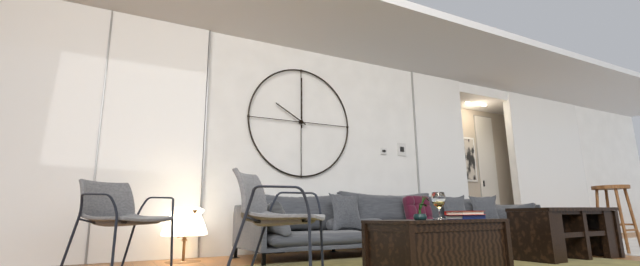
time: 10:00
